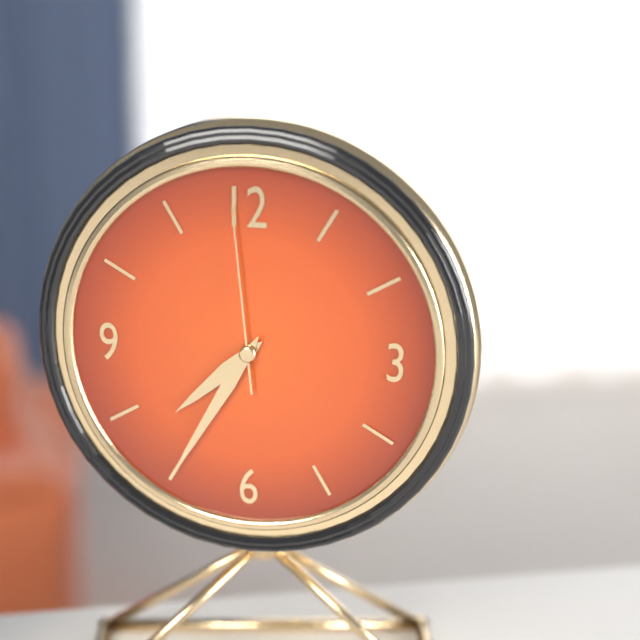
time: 7:35:59
